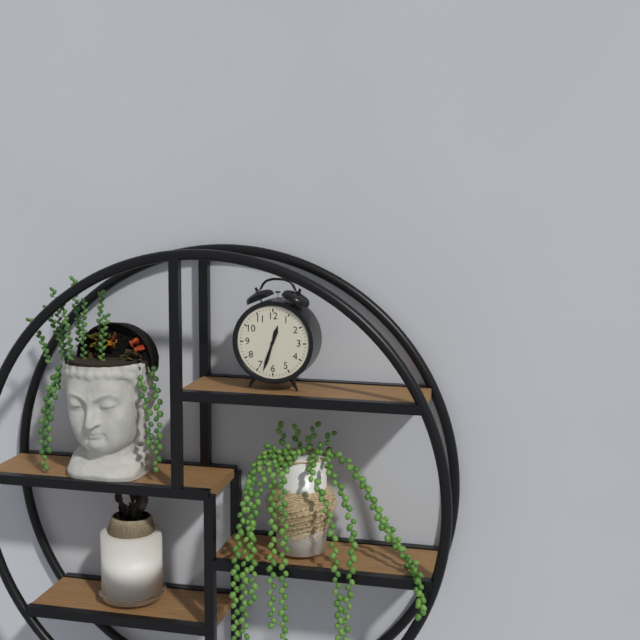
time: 12:33
